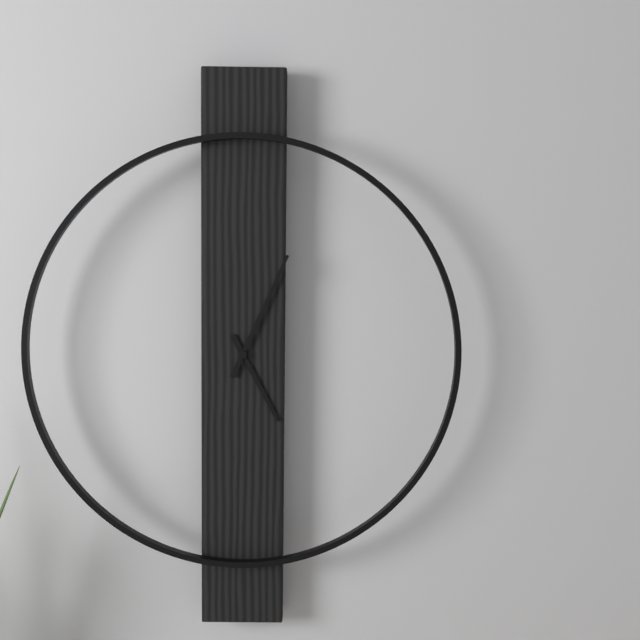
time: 5:04
